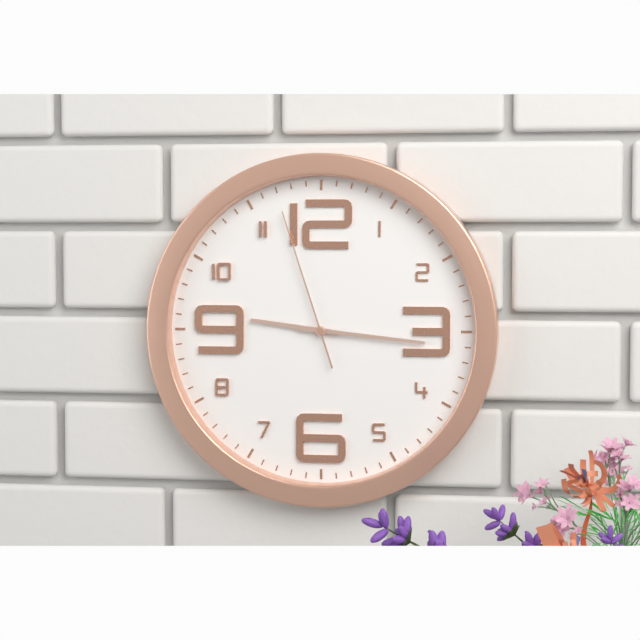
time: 9:16:57
